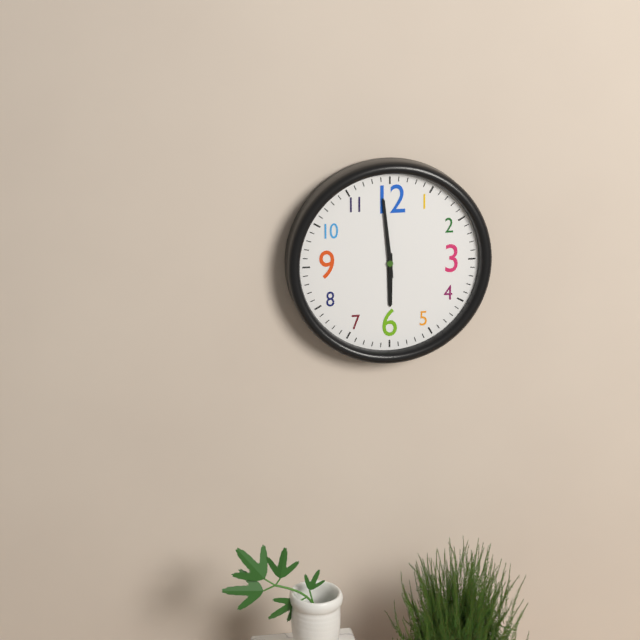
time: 5:59
